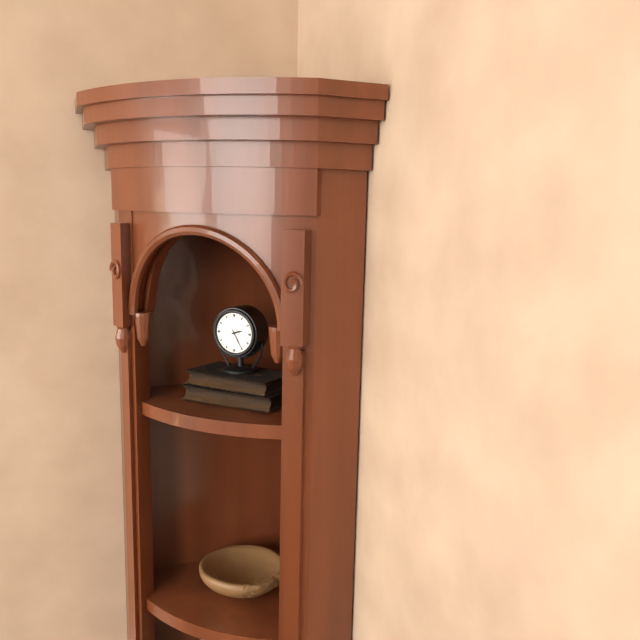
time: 2:25
